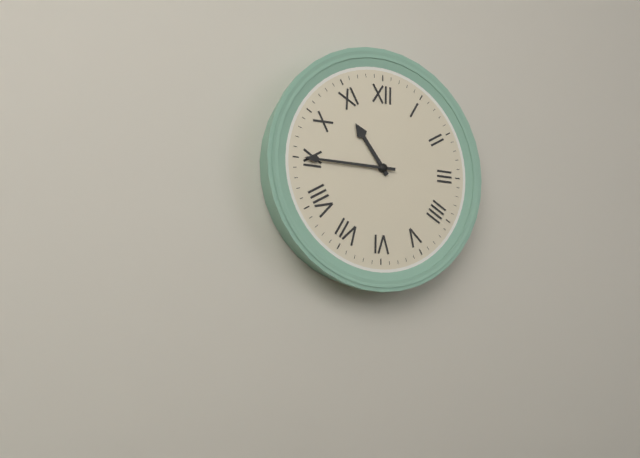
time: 10:45
